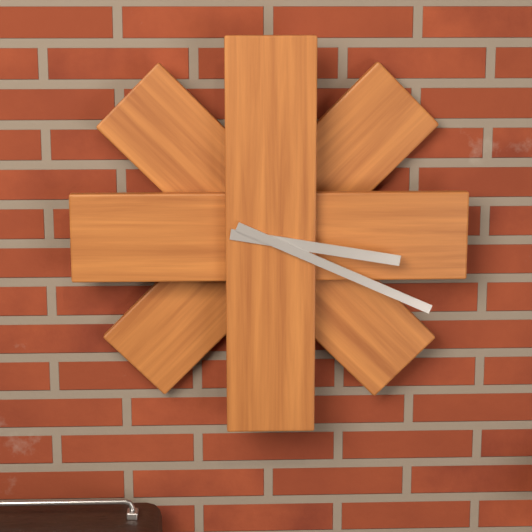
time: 3:19
